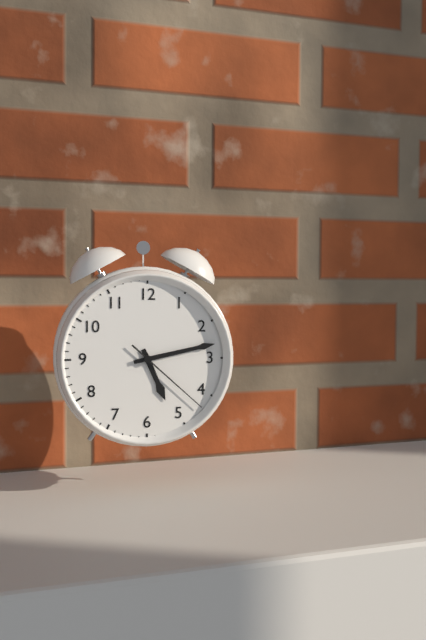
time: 5:13:22
